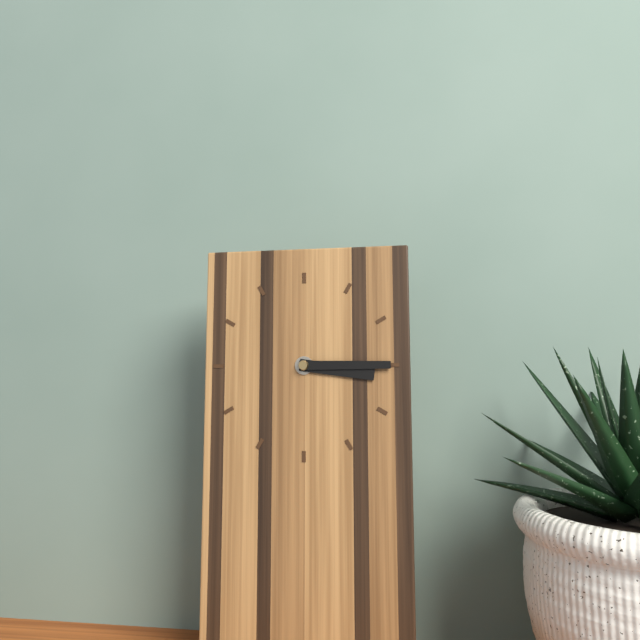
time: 3:15
